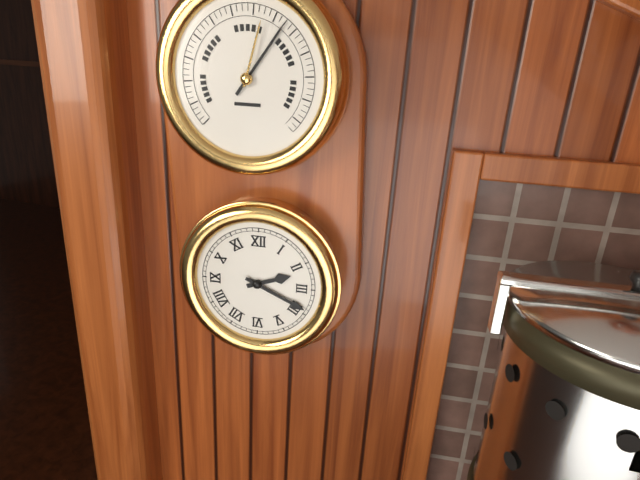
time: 2:19
